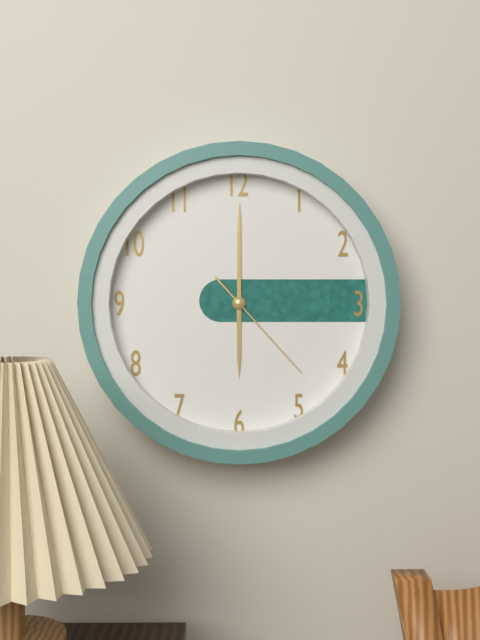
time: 6:00:23
